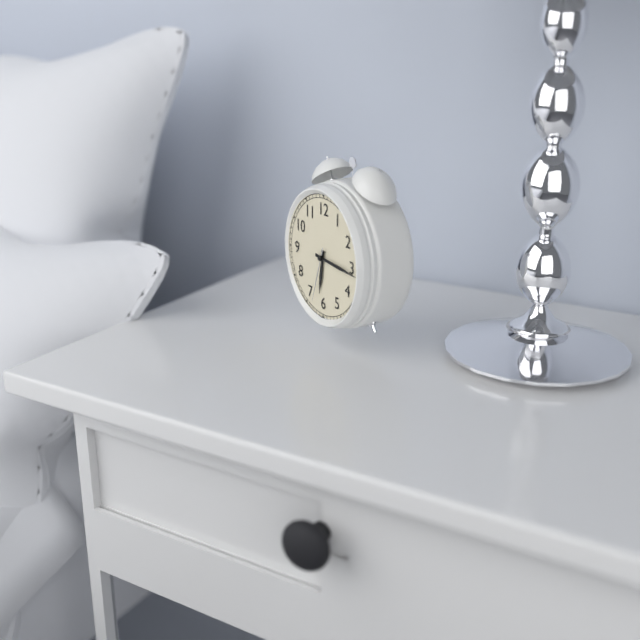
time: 6:16:33
